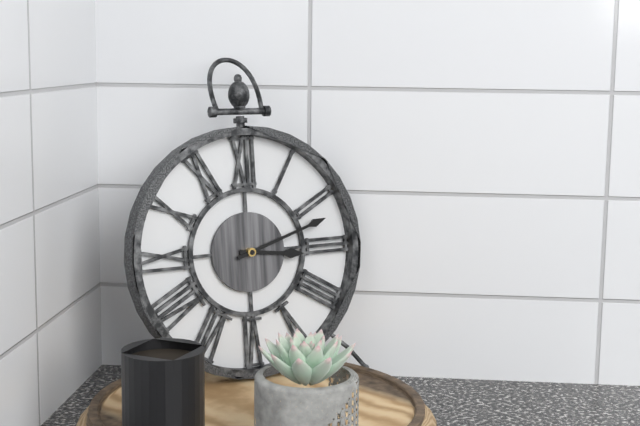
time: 3:12
